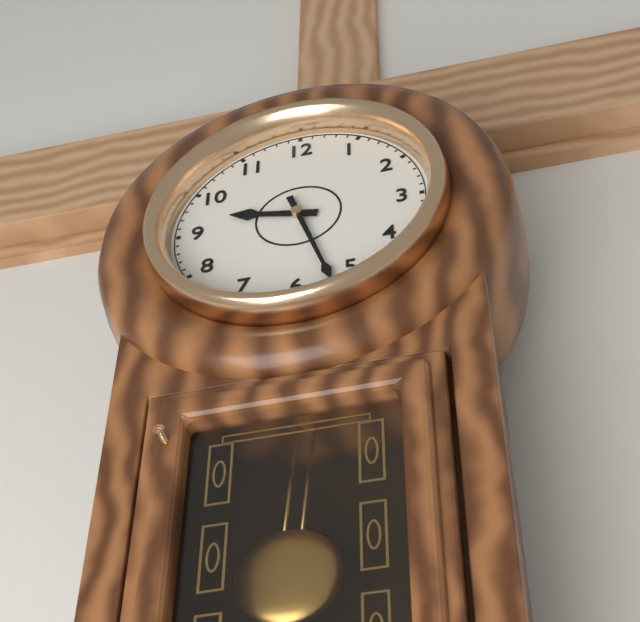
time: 9:27
